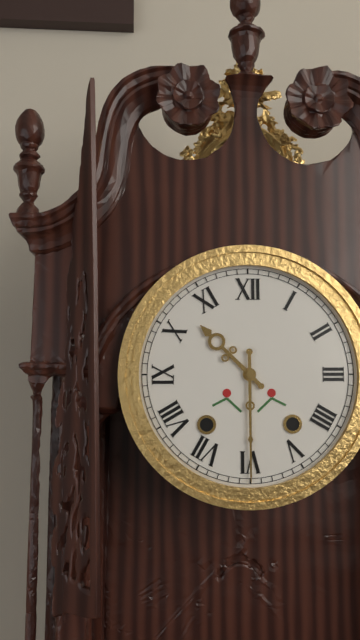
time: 10:30
